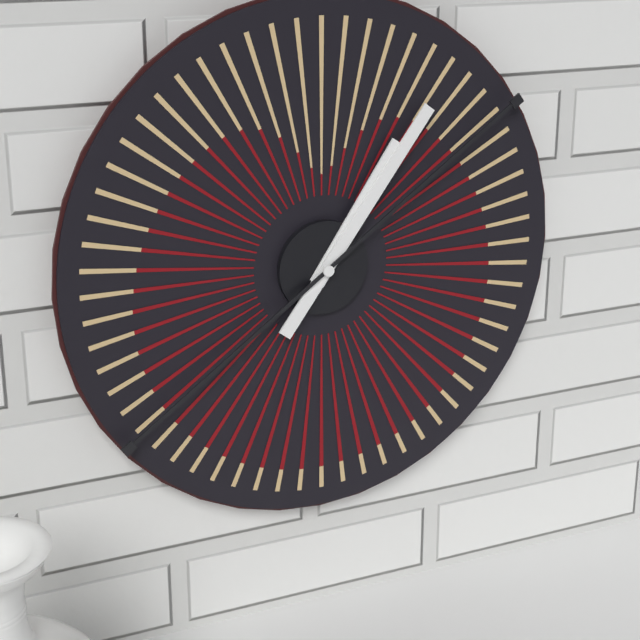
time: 1:06
